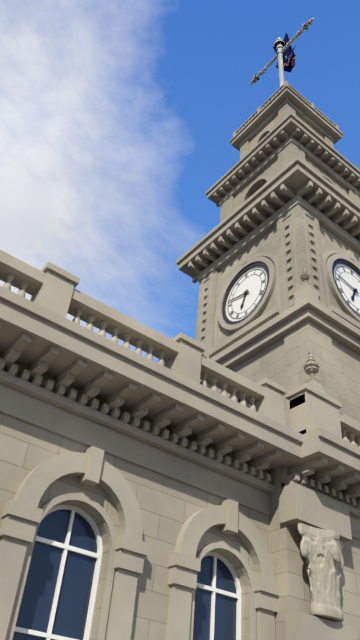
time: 6:47
